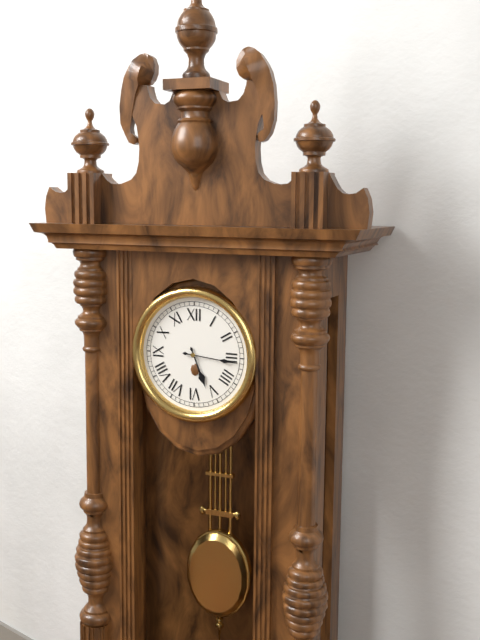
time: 5:16
